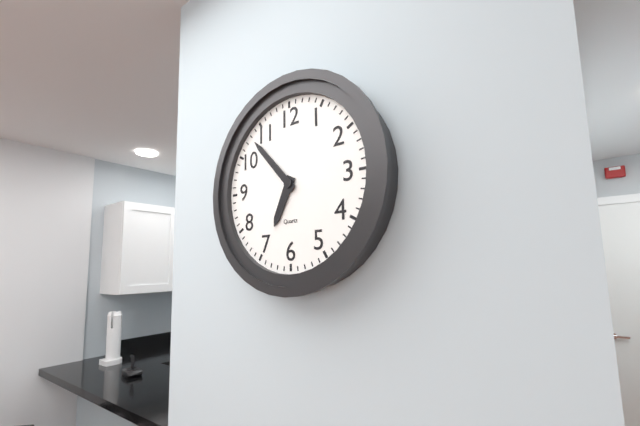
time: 6:53
